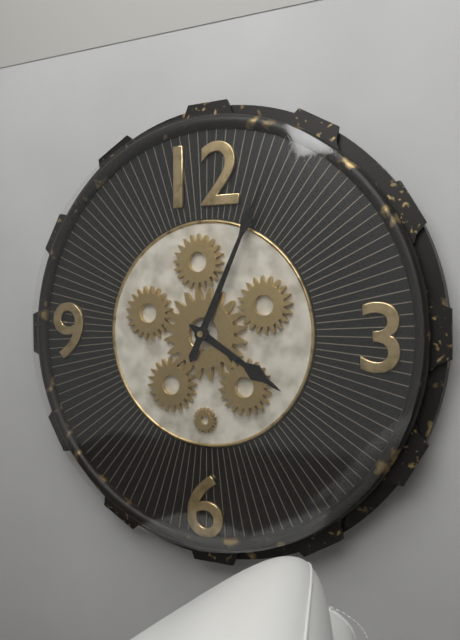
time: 4:04
